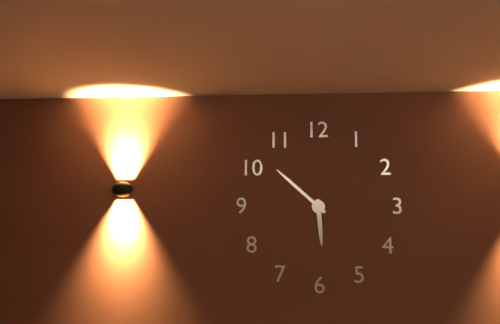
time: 5:52
